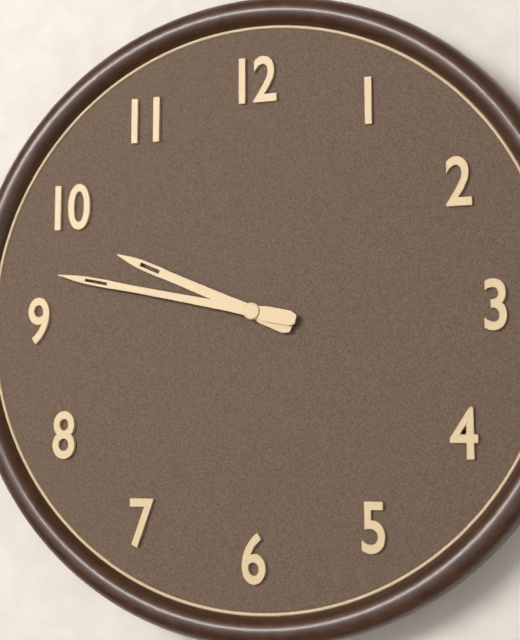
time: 9:47
